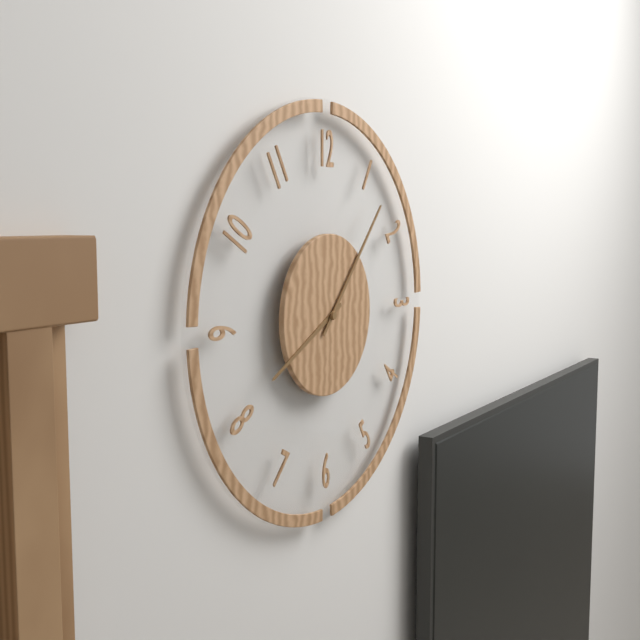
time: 8:07
